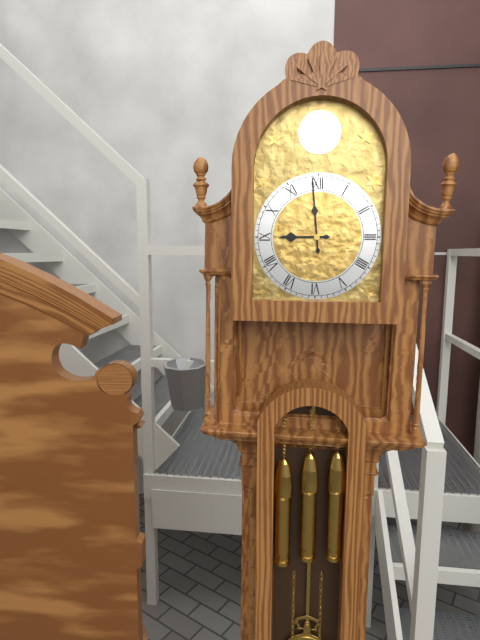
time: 8:59
